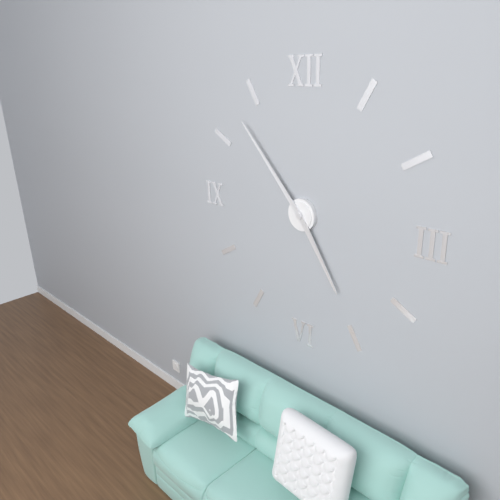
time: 4:53
